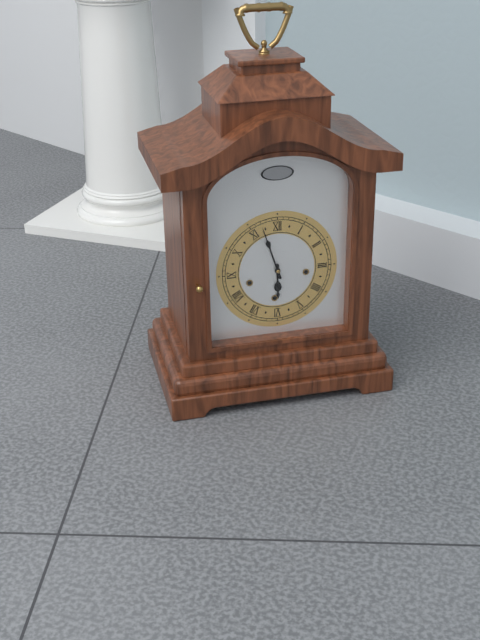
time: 5:57
